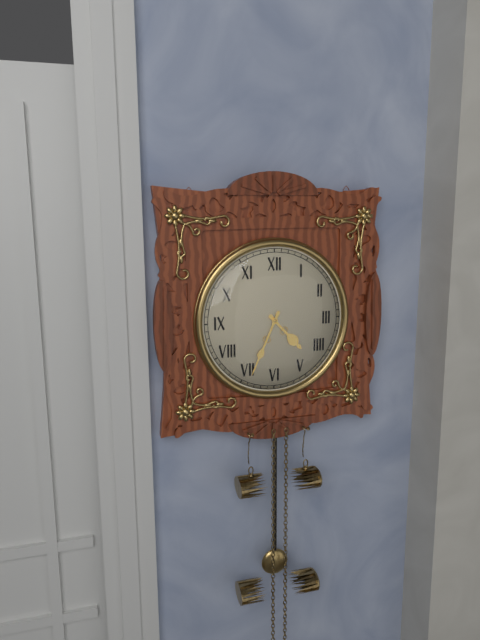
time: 4:34
